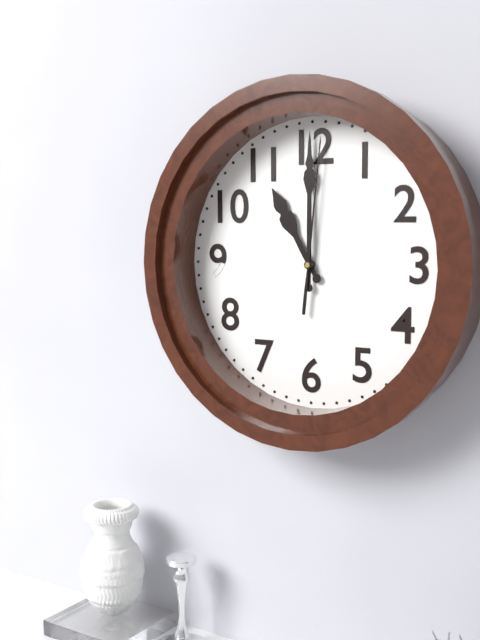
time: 11:00:01
